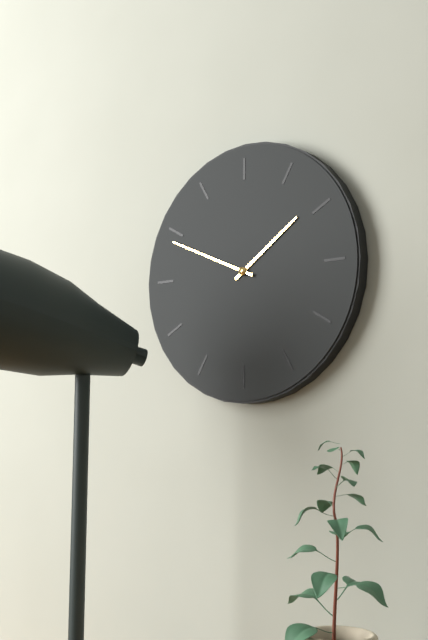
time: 1:49
